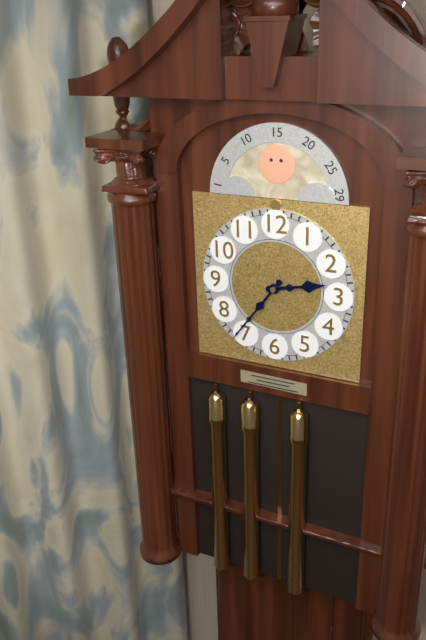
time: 2:36
